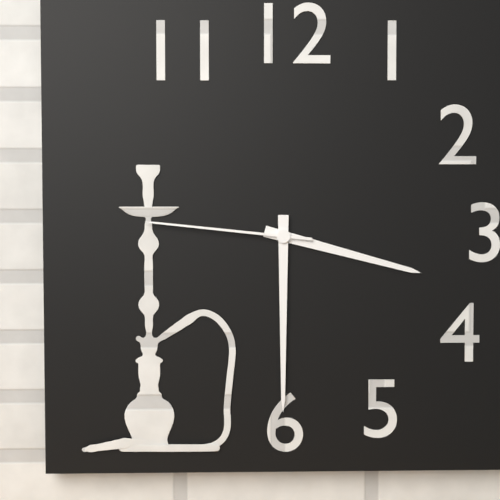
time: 3:30:46
